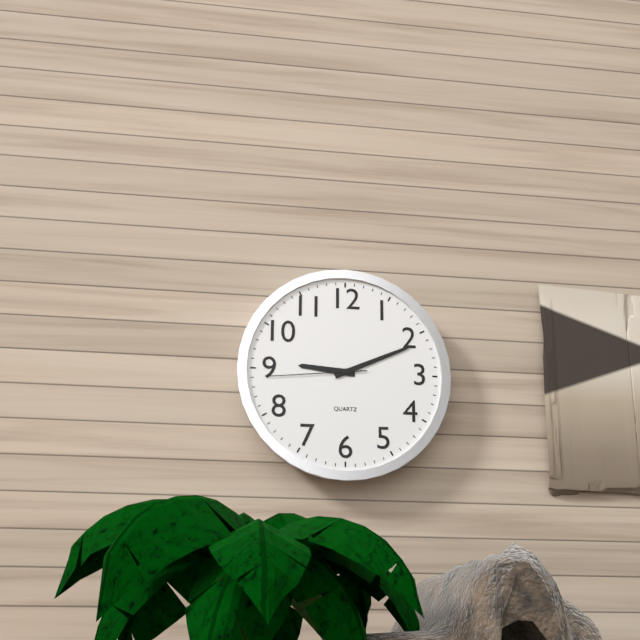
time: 9:11:44
